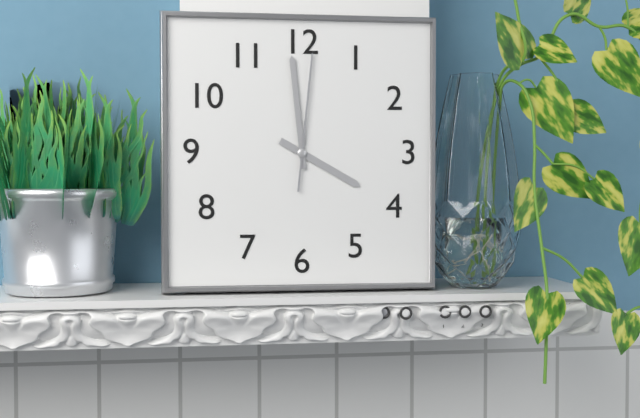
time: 3:59:01
